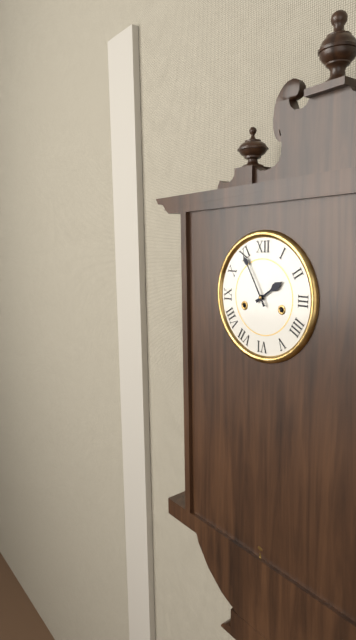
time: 1:55
